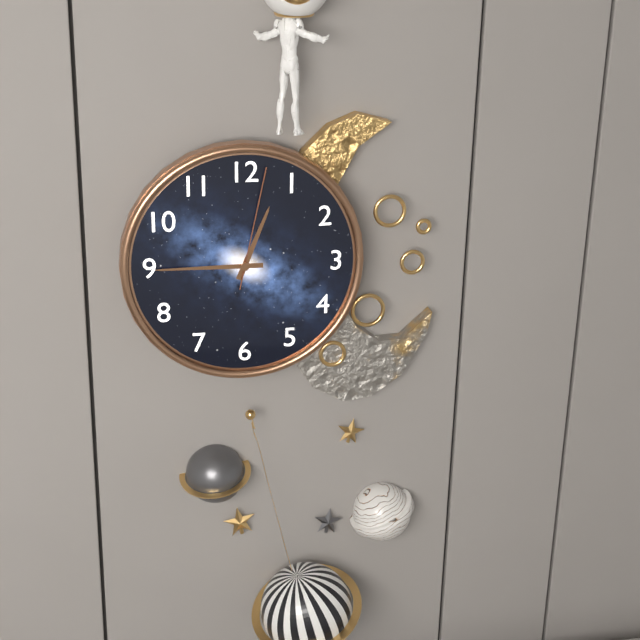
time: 12:45:02
